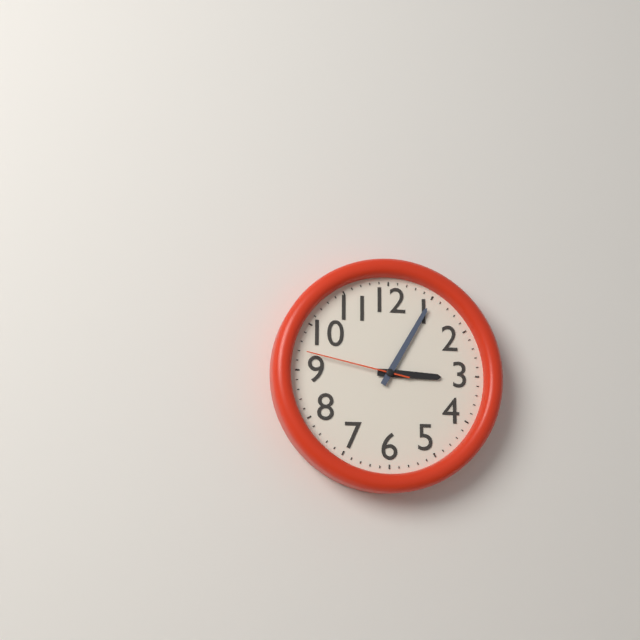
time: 3:05:47
